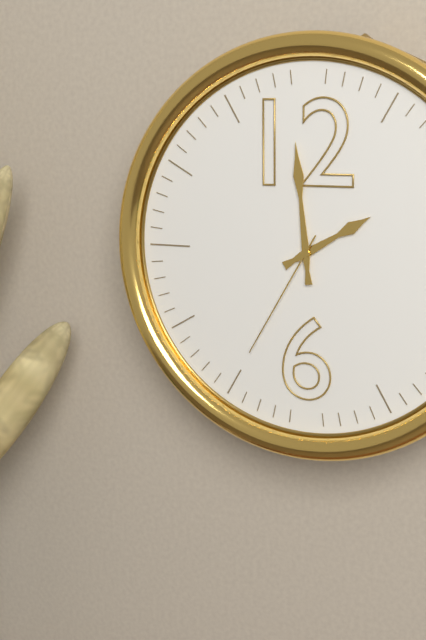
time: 1:59:35
